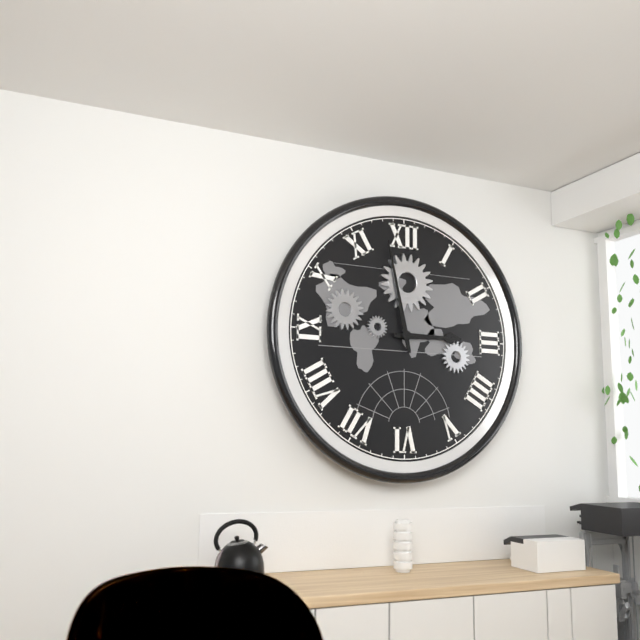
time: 2:58
